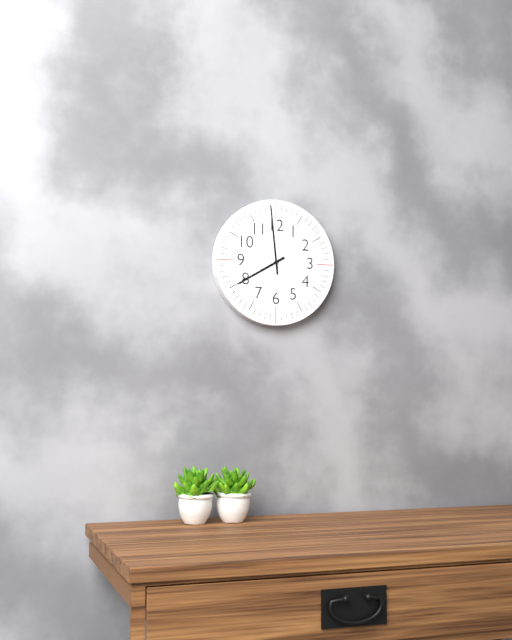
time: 7:59
